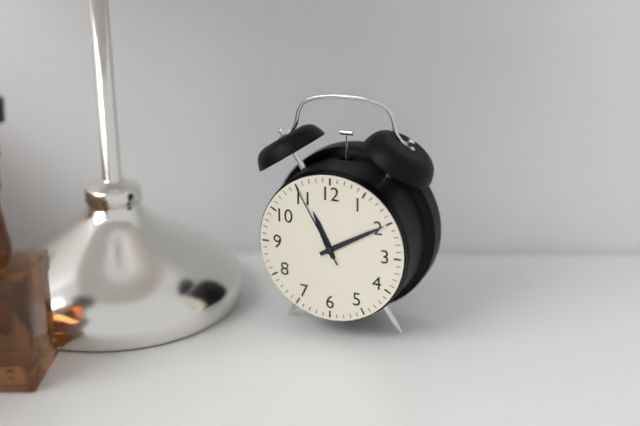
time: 11:10:55
